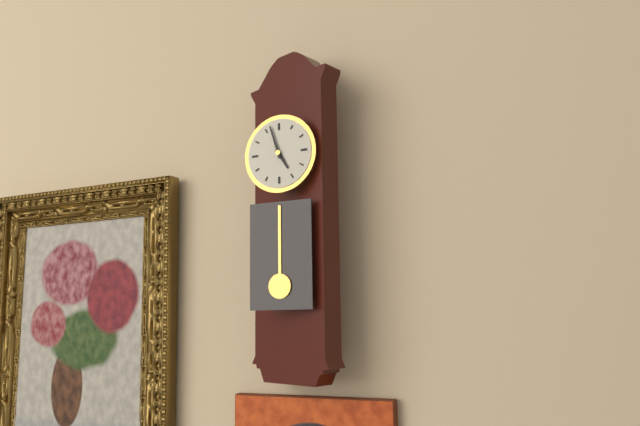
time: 4:57
